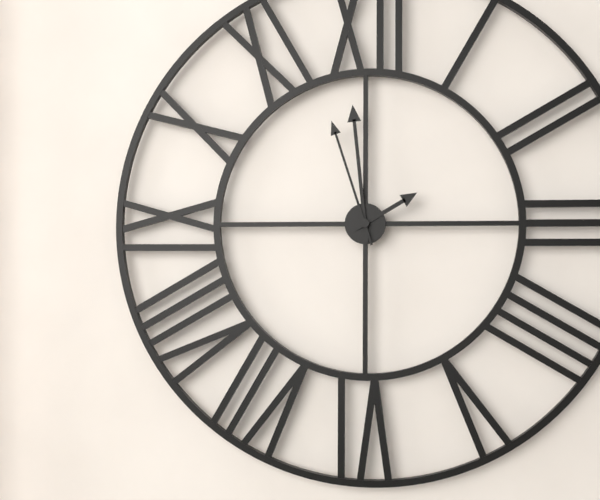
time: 1:59:57
